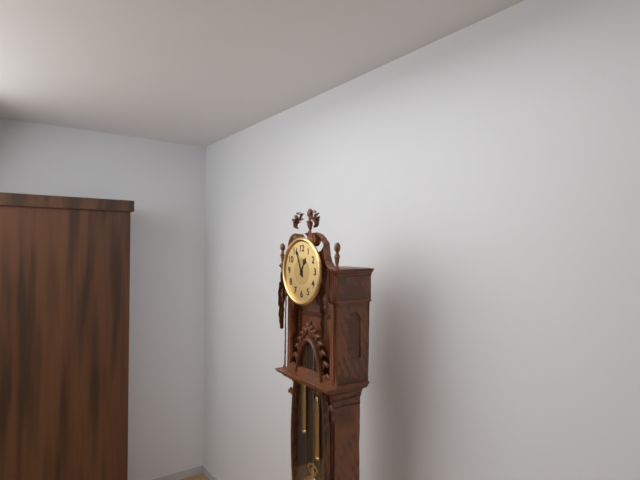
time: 12:56
